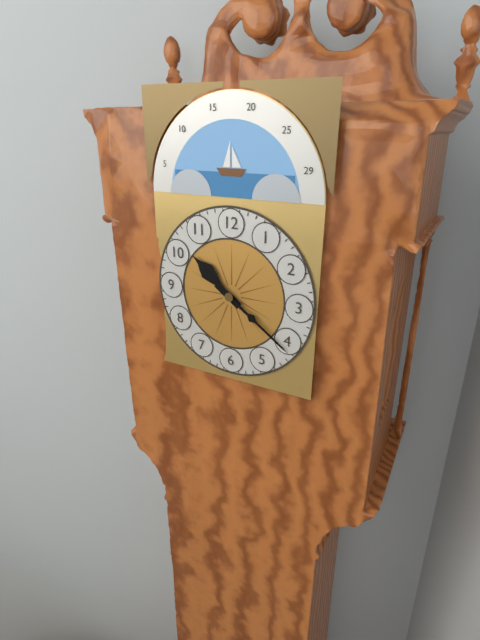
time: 10:21
